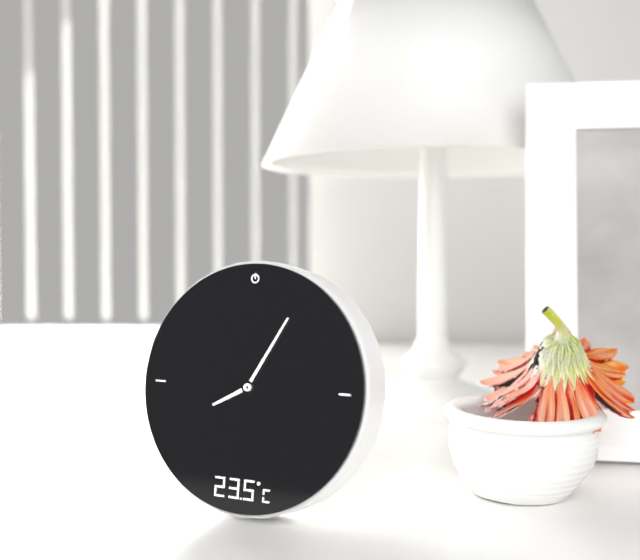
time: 8:05
